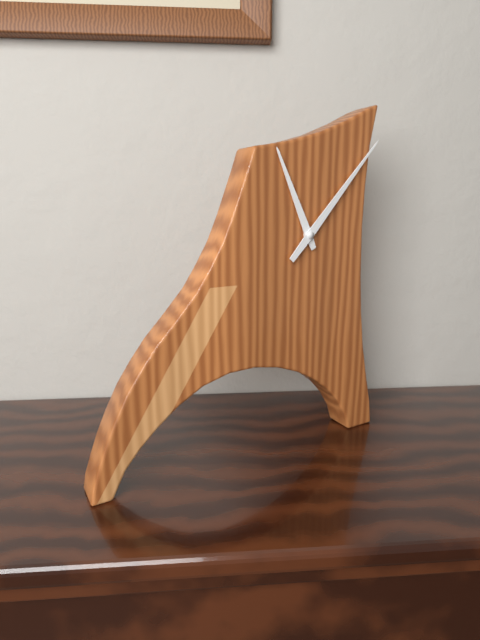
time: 11:07
